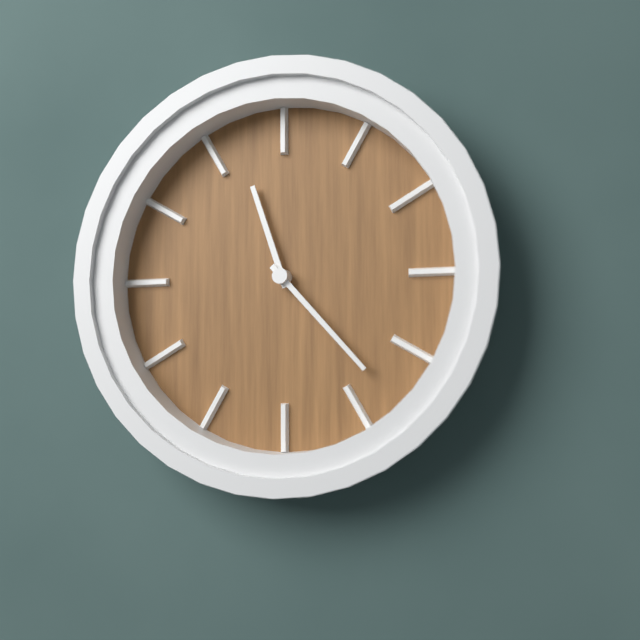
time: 11:23
